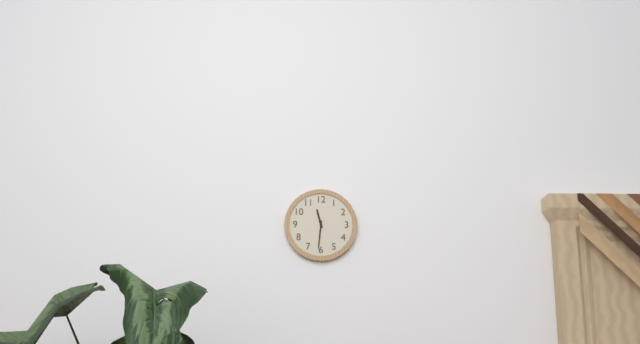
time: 11:31
